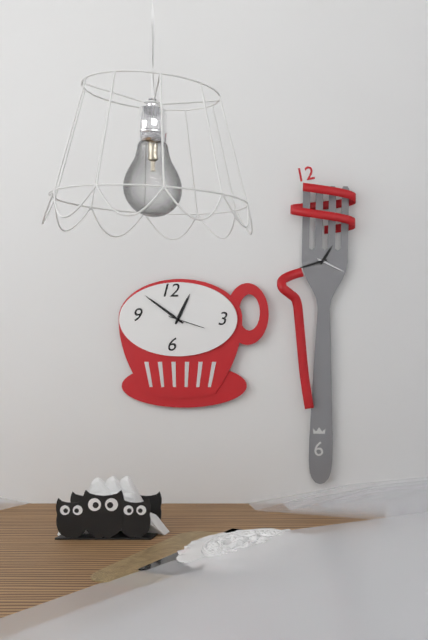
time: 12:51
